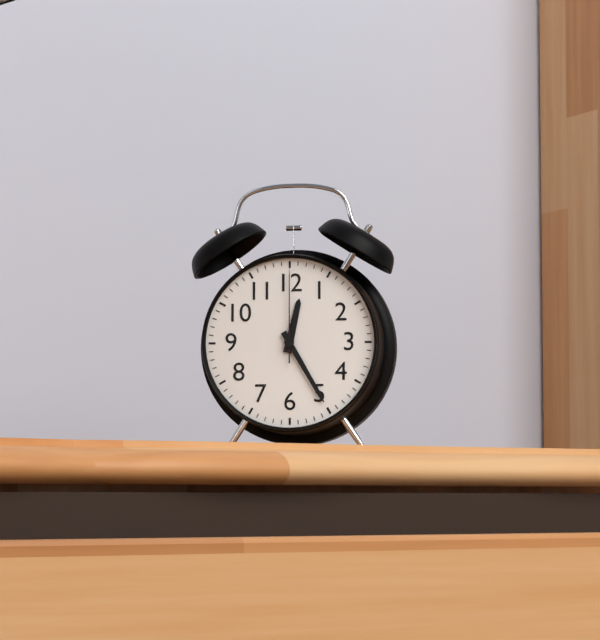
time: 12:25:00
